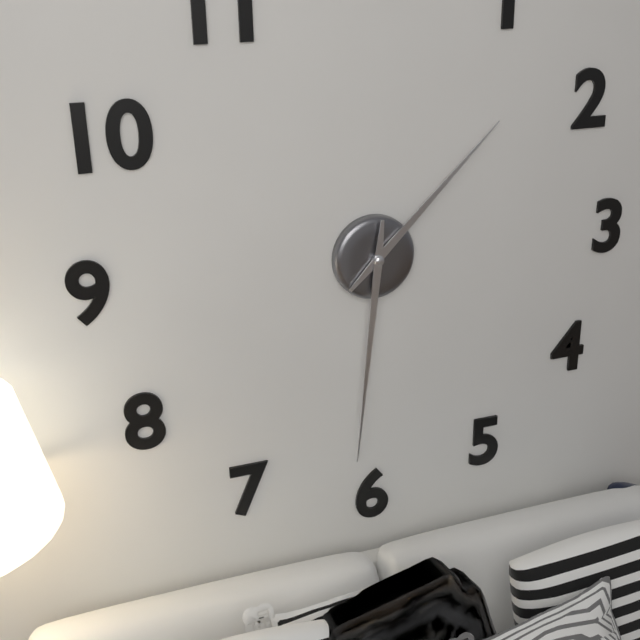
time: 1:31
